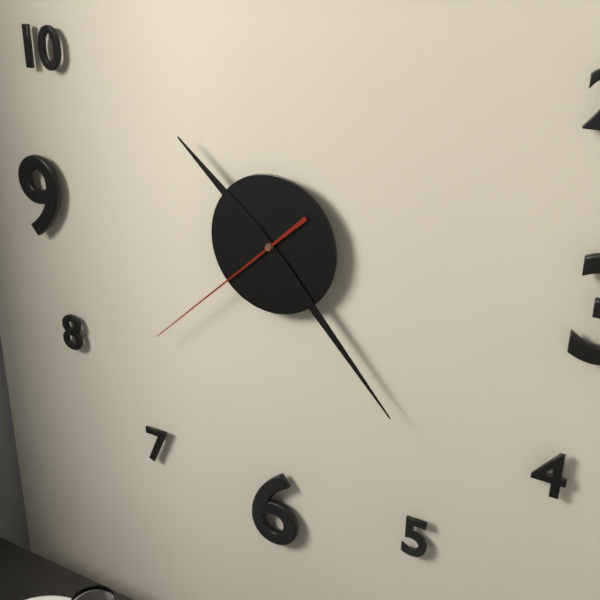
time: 10:23:38
